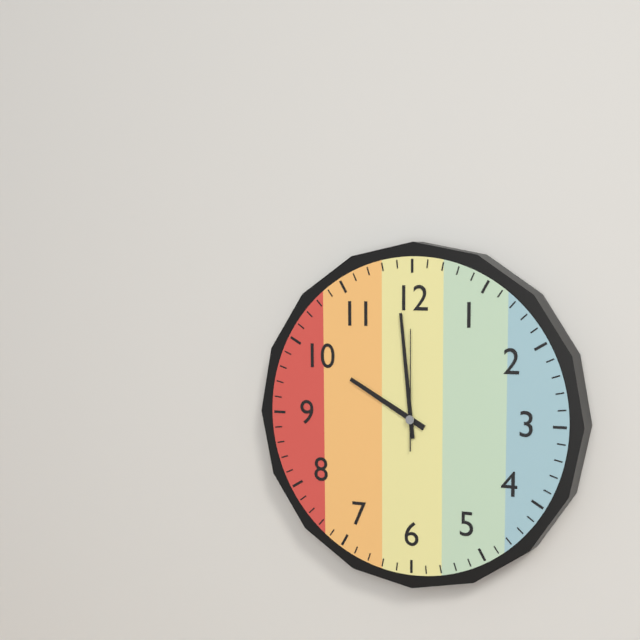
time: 9:59:00
